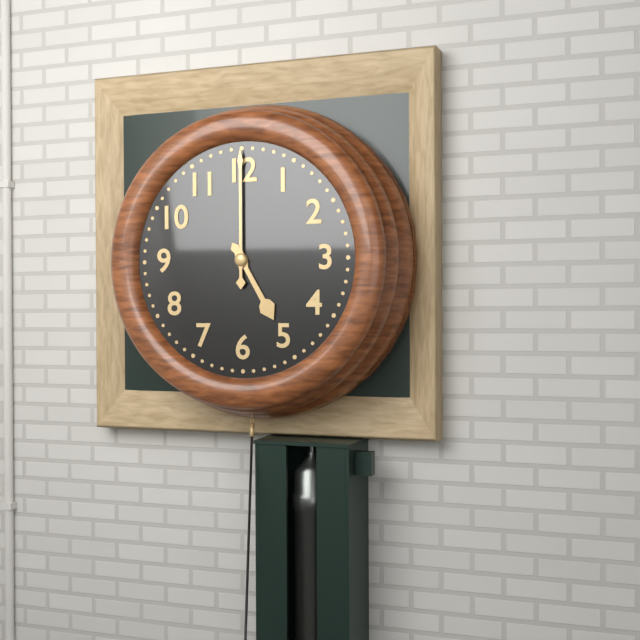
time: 5:00
